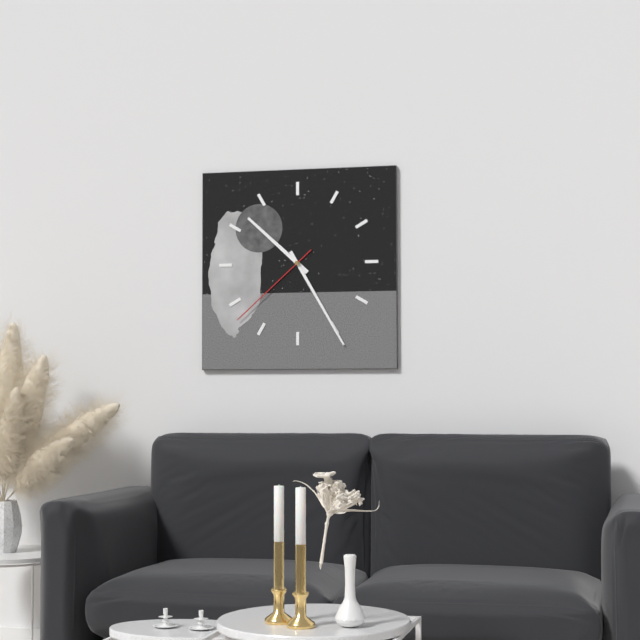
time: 10:25:38
